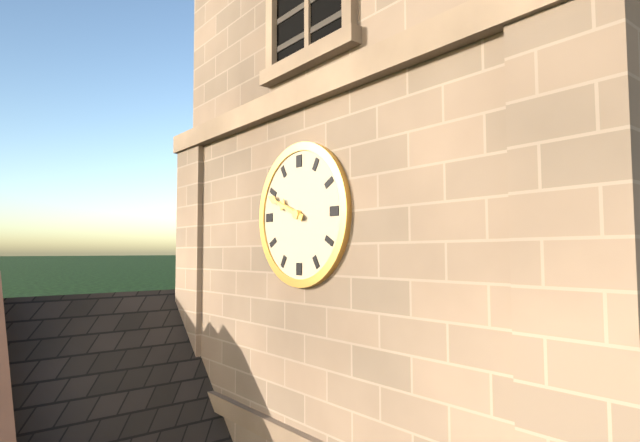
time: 9:49
